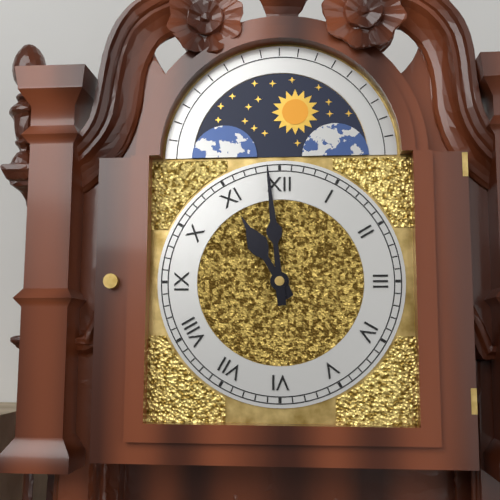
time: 10:59
